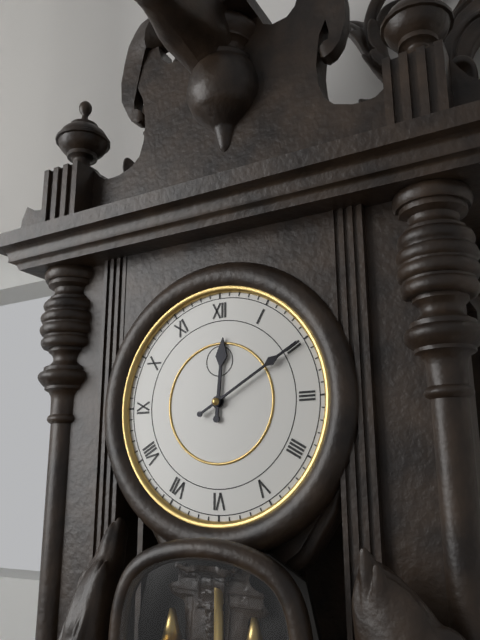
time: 12:10
